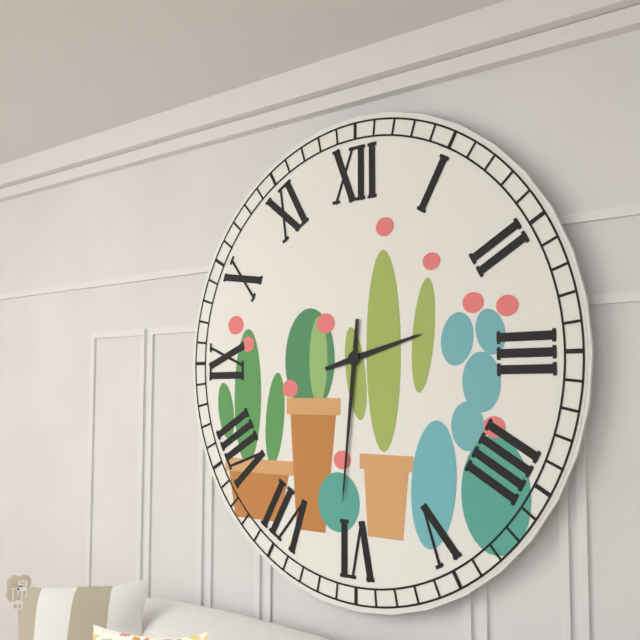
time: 2:31
